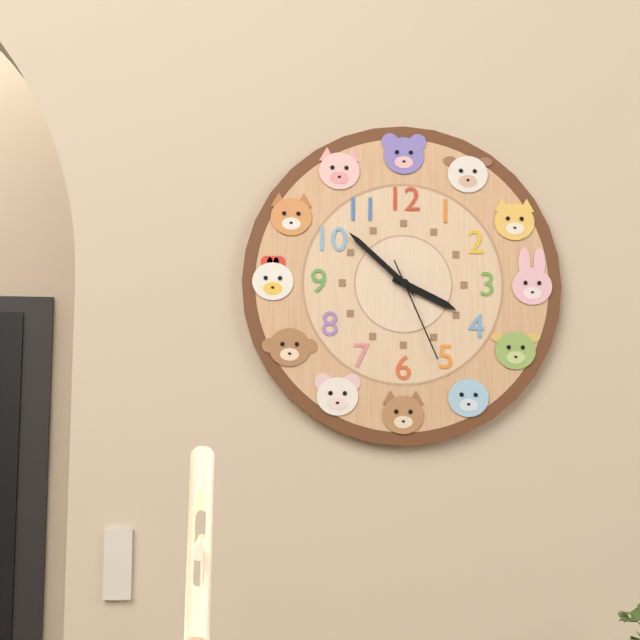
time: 3:52:26
